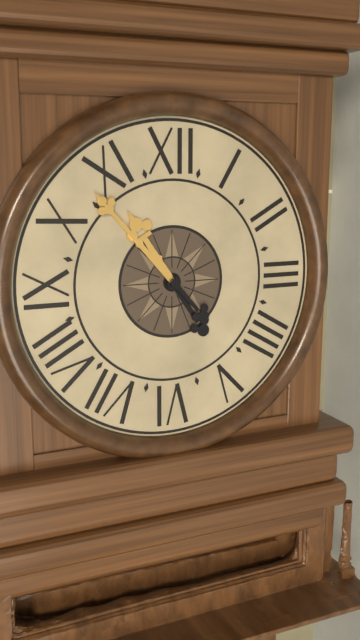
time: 10:53
